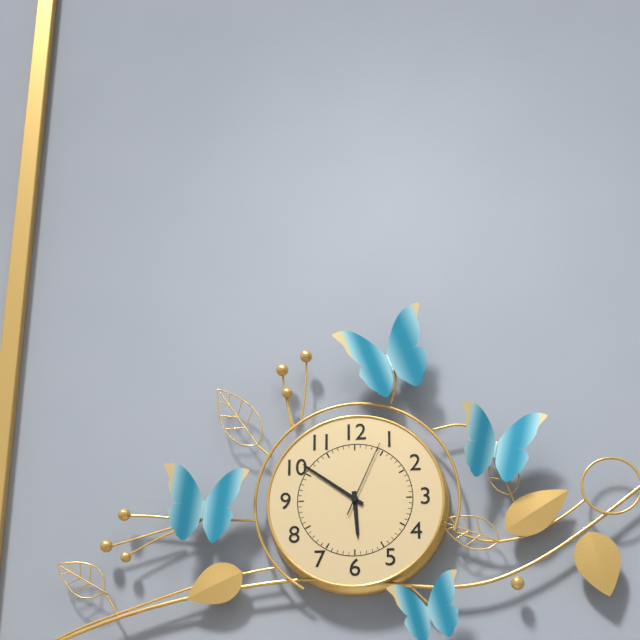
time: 5:51:04
